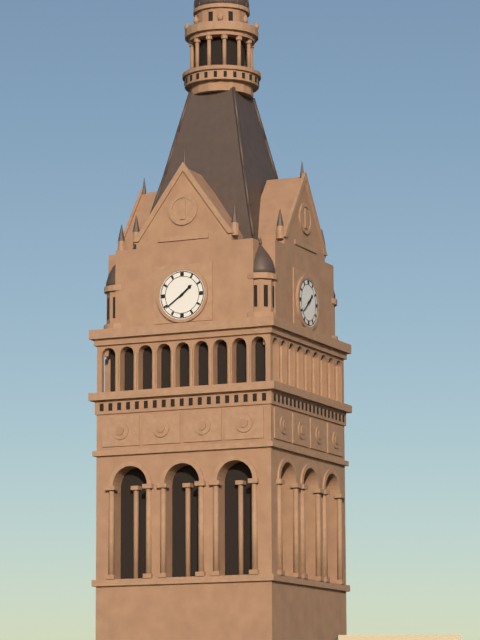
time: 1:39
